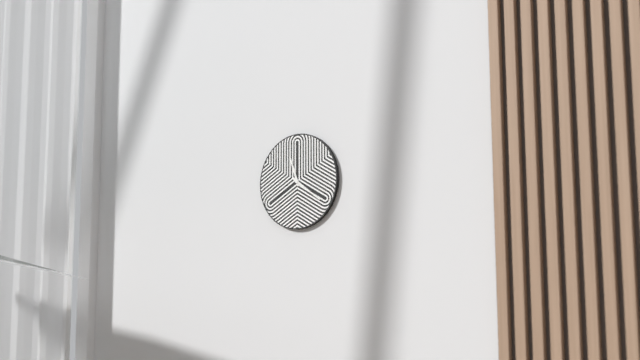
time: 11:21
